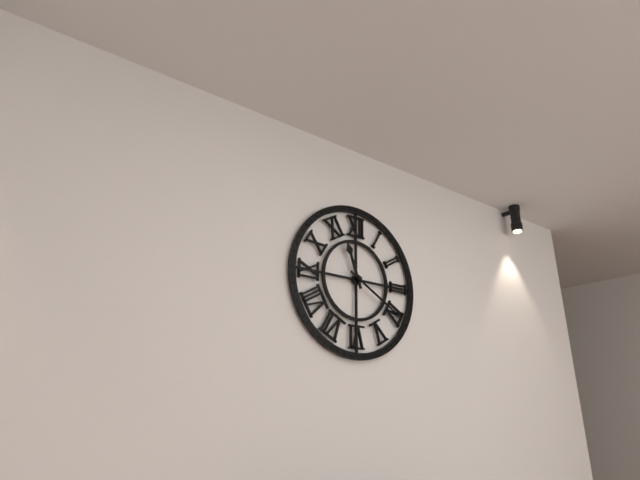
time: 11:20
